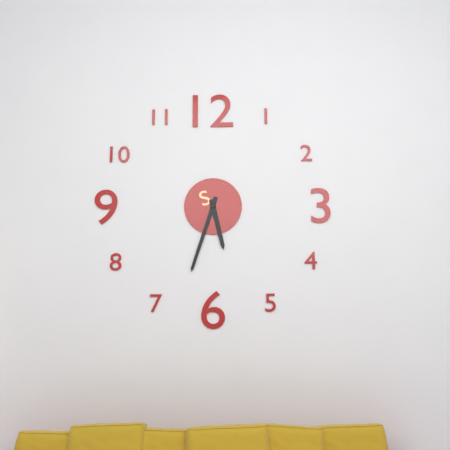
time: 5:33
